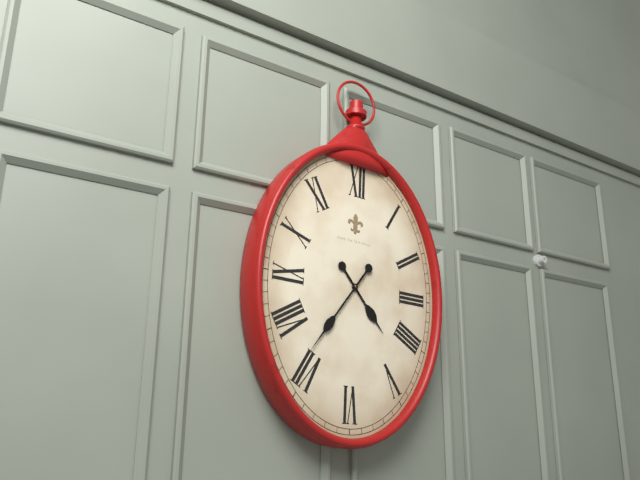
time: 4:36
